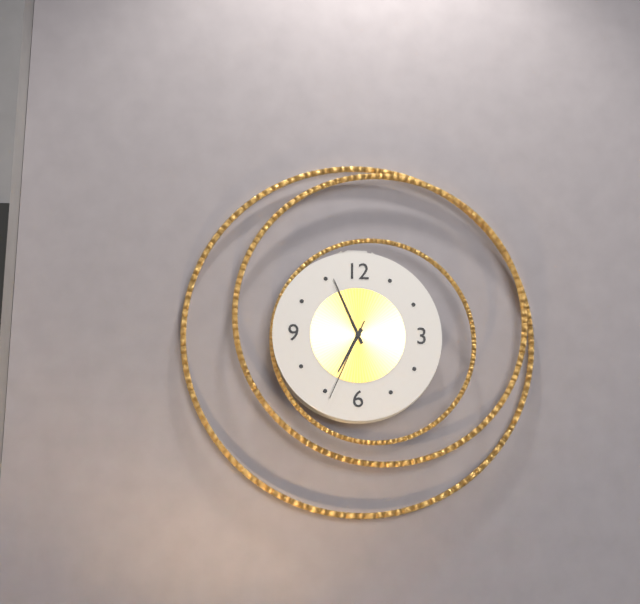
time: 6:56:34
